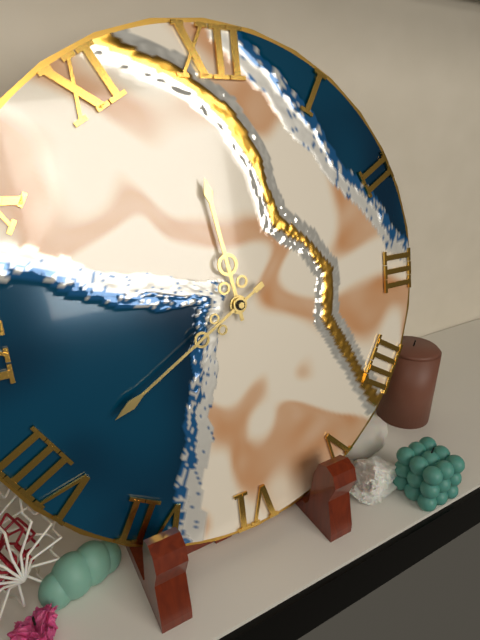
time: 11:40
